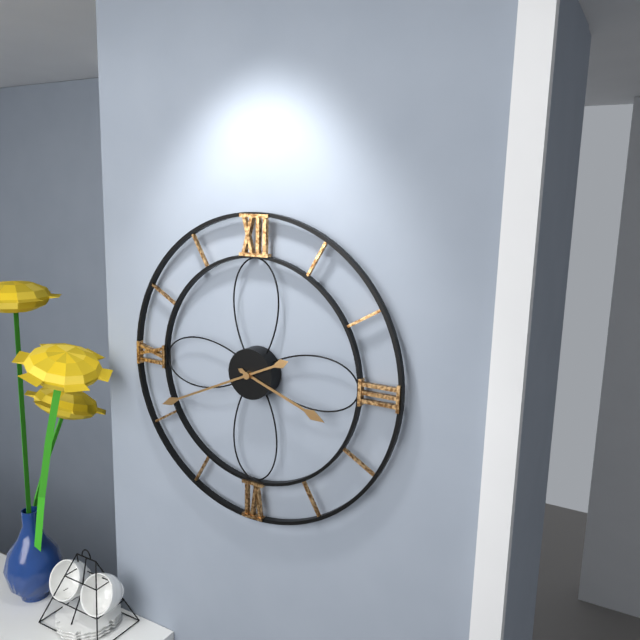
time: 3:41
